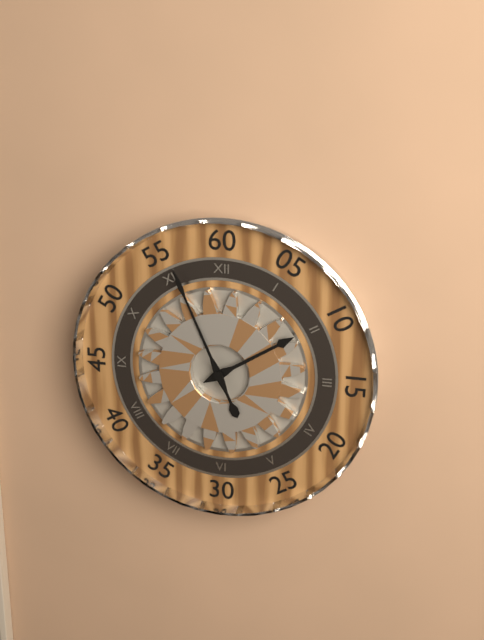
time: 1:56
